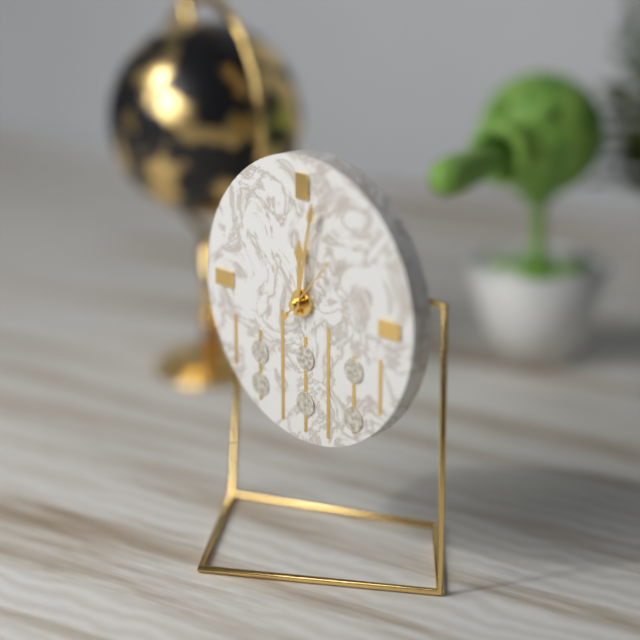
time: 12:02
